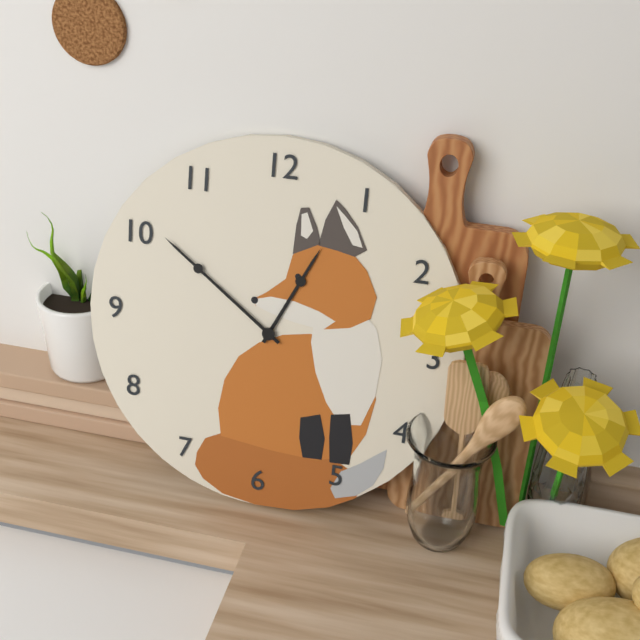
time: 12:51
